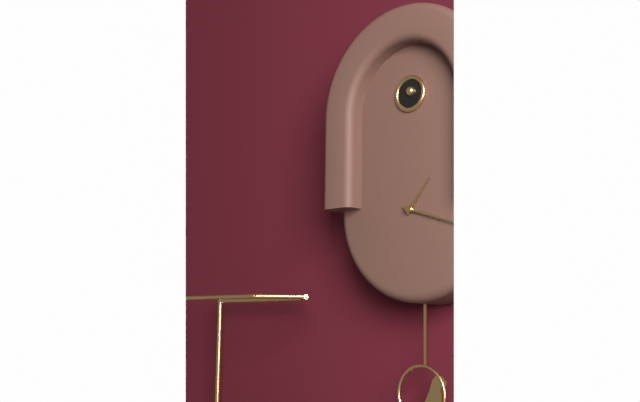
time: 1:18
